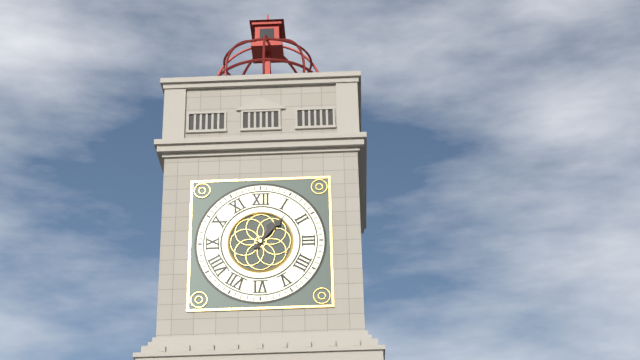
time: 1:07
